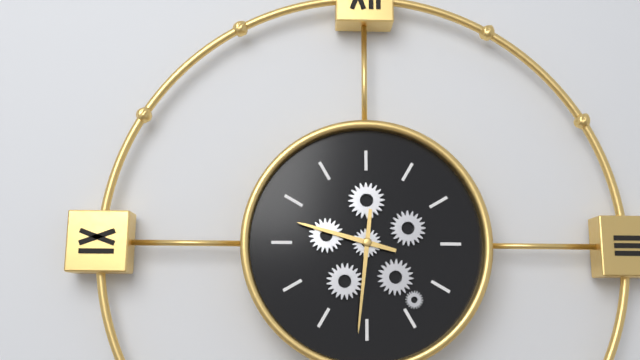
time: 9:31
